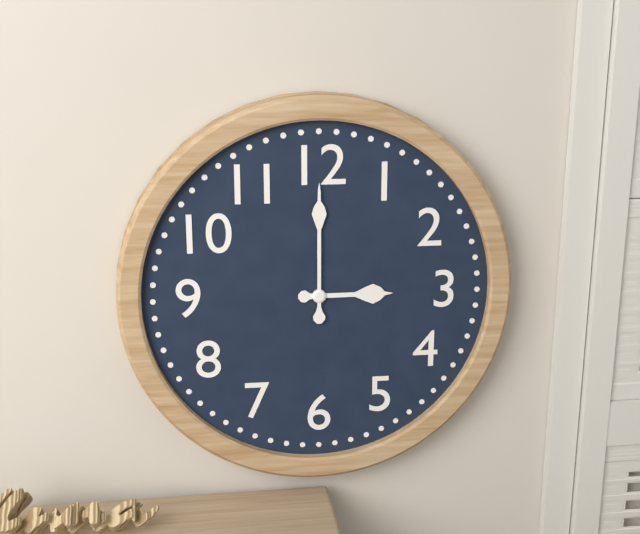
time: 3:00
